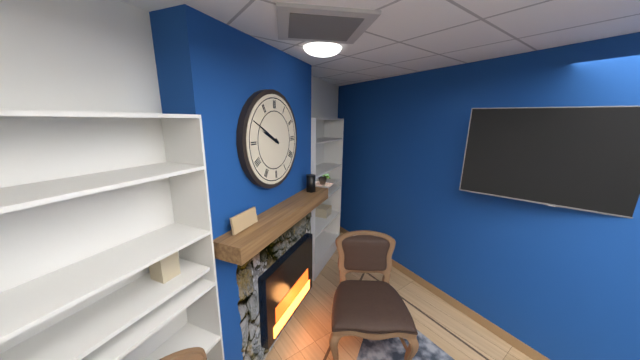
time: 9:50
